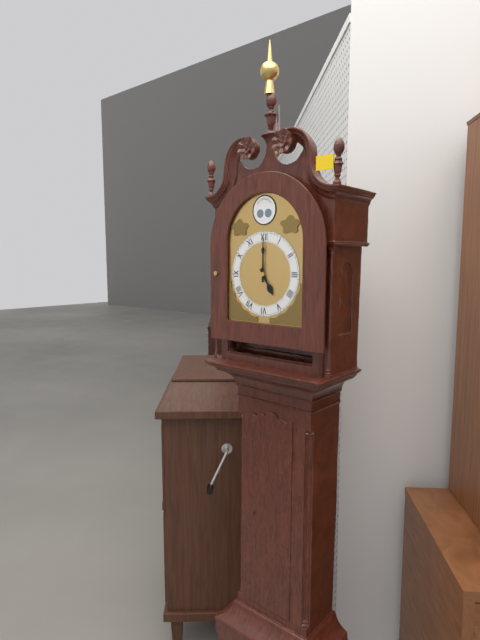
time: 5:00
